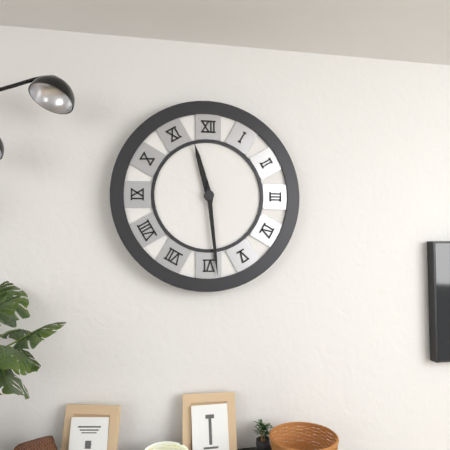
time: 11:29
